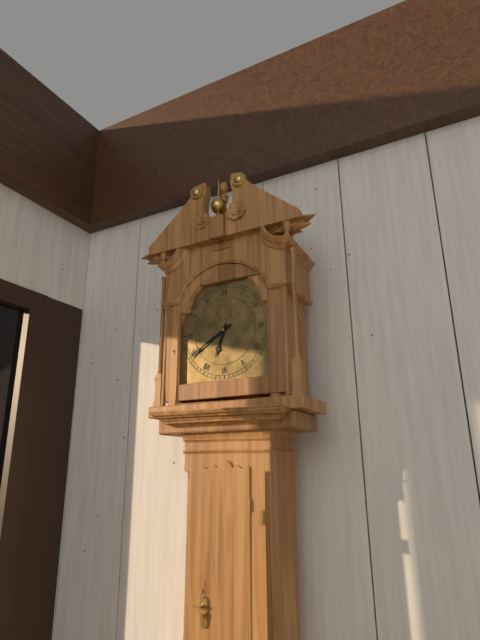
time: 6:40
